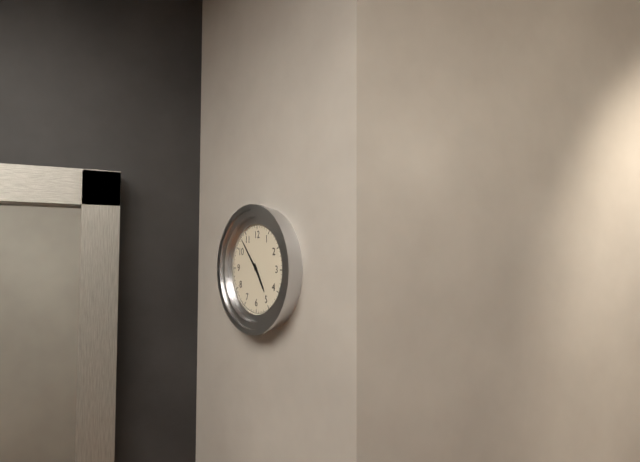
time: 4:53
